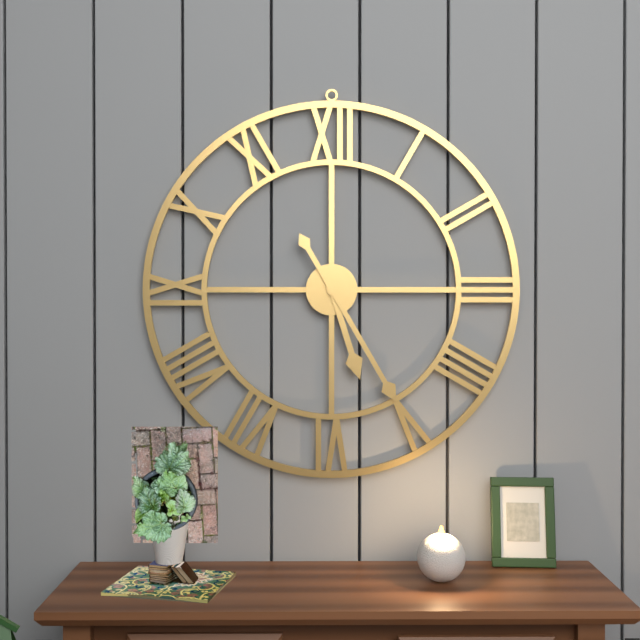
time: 5:25
